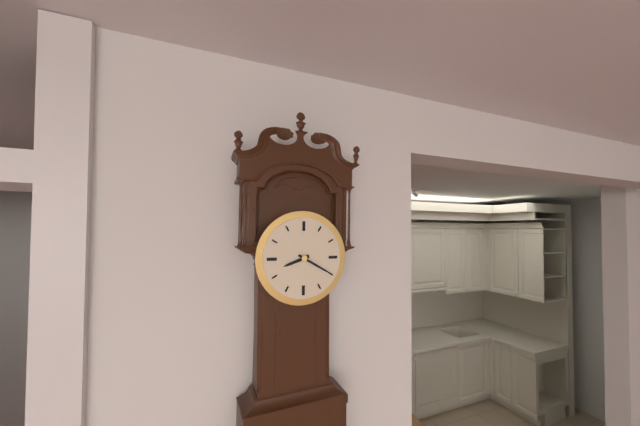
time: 8:20
